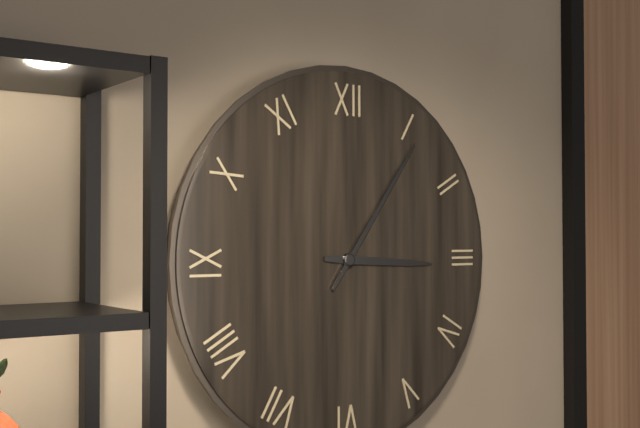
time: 3:06
